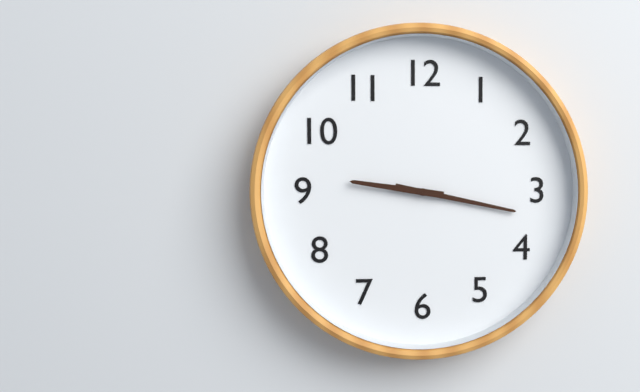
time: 9:17
